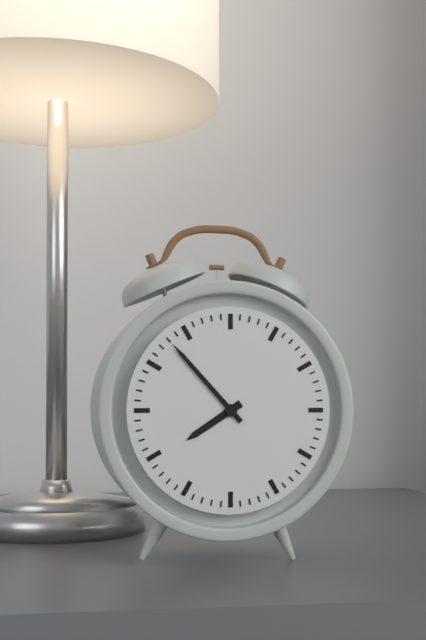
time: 7:53
